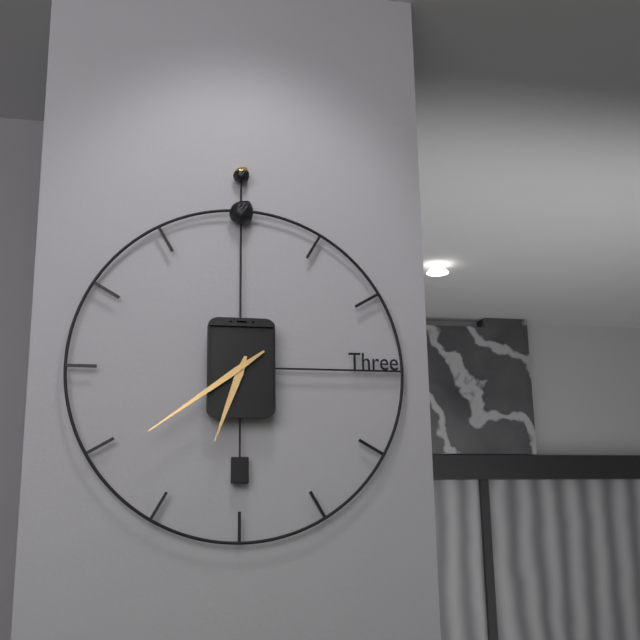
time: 6:39
